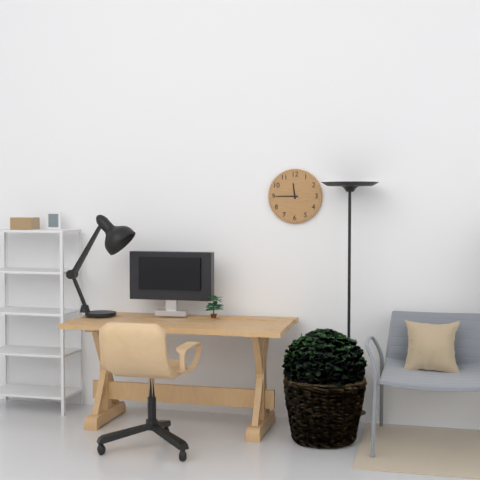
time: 11:45
